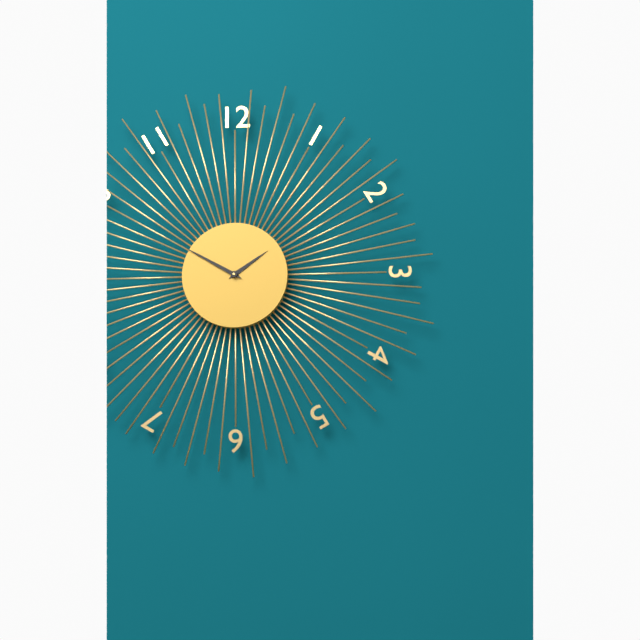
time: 1:50
